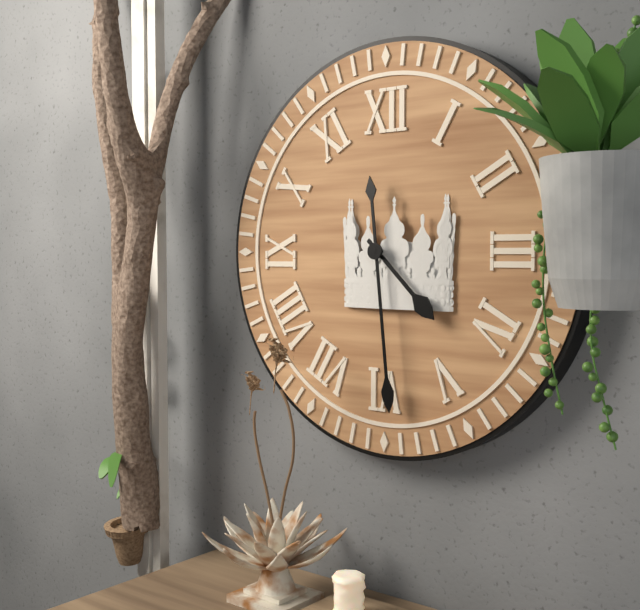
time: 4:29
